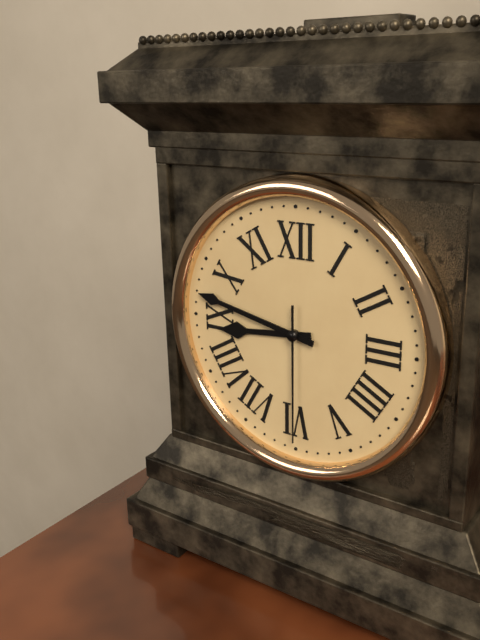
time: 8:47:30
